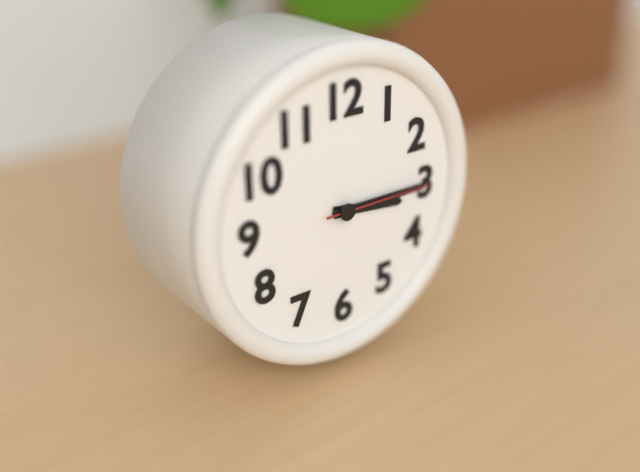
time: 3:15:15
